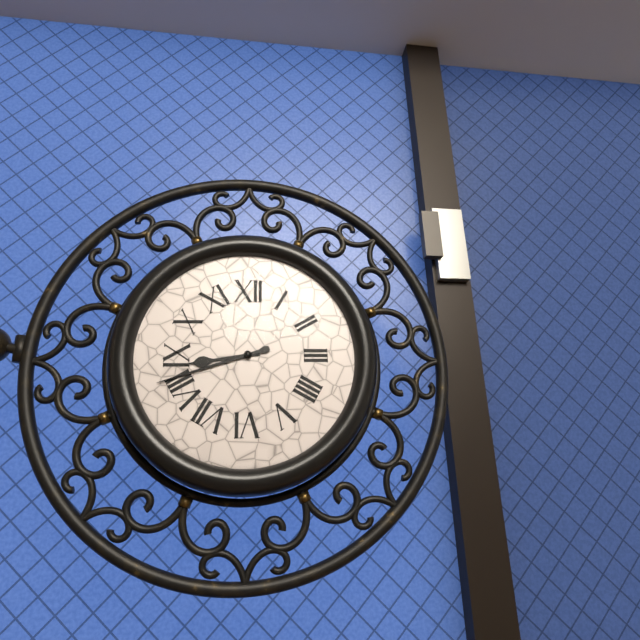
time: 8:42
